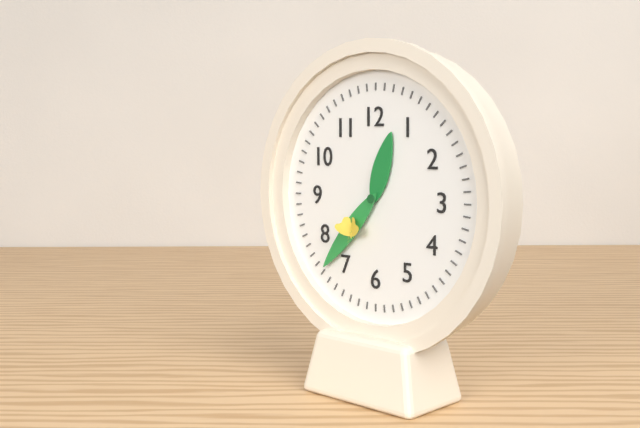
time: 12:37
